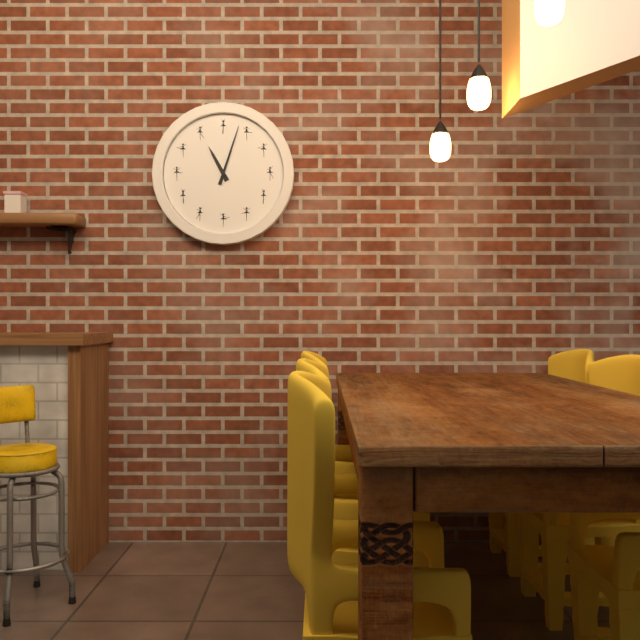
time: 11:03
